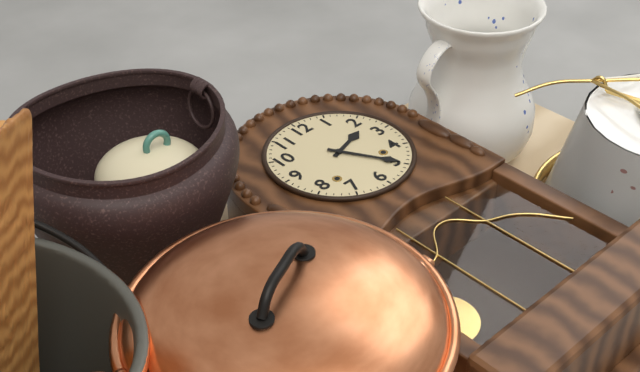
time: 2:25
